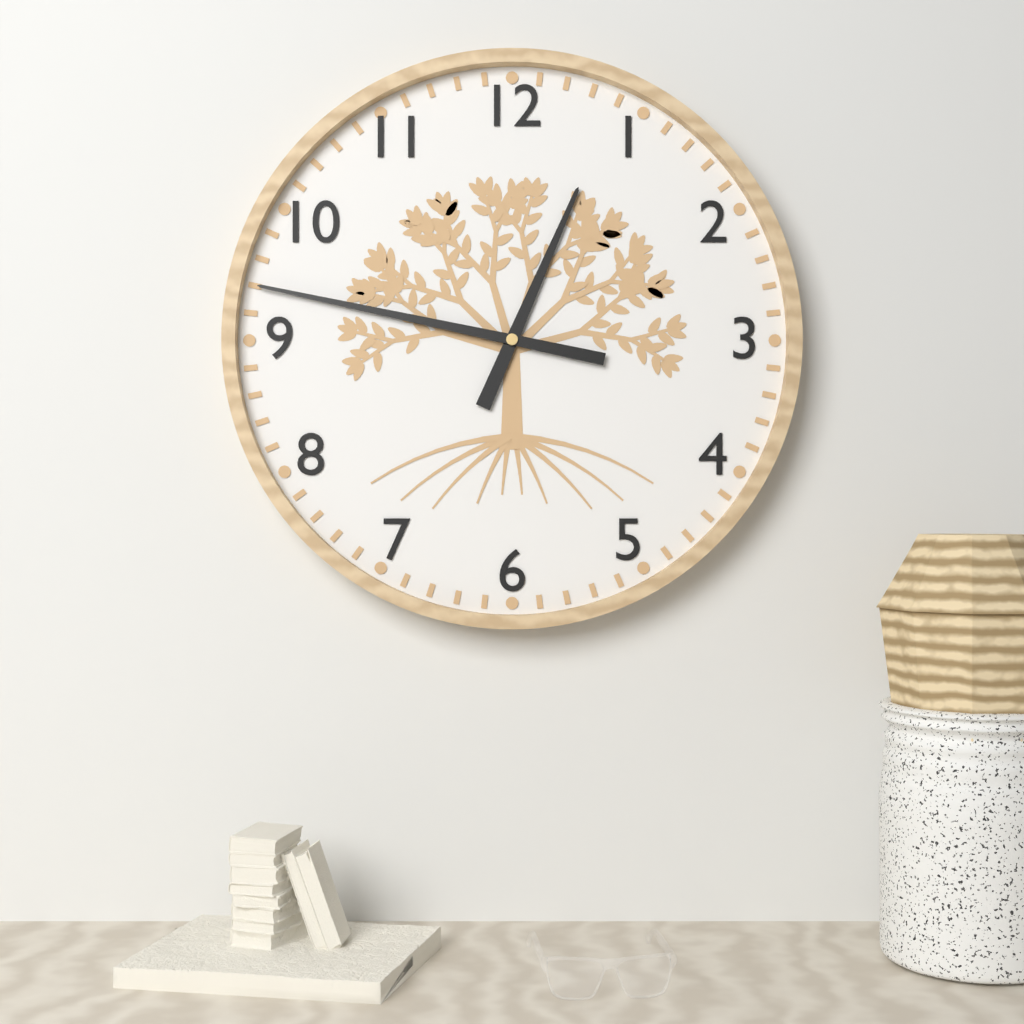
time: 12:47
